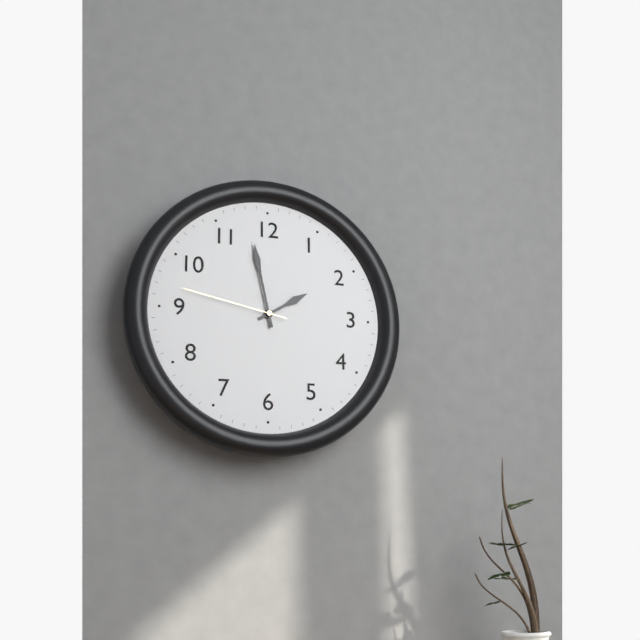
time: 1:58:47
